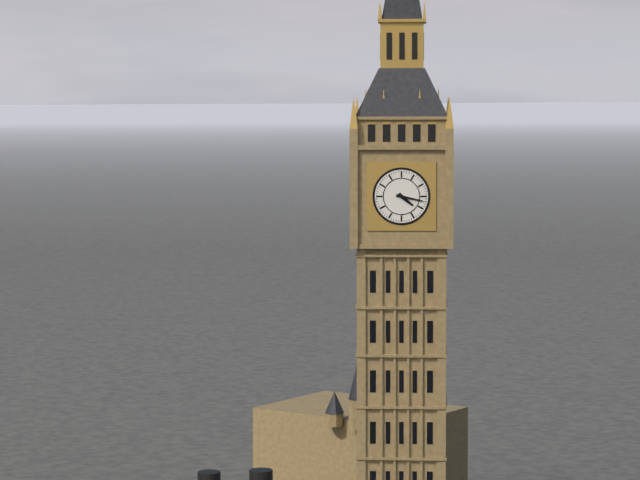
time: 4:17
